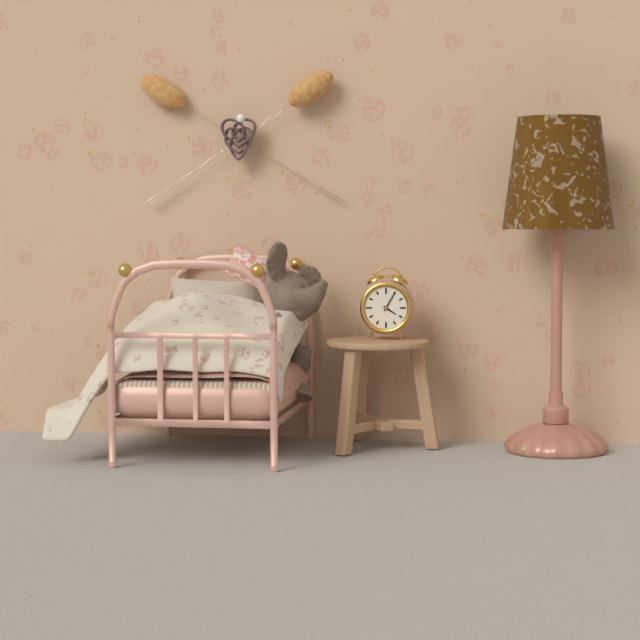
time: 4:05
